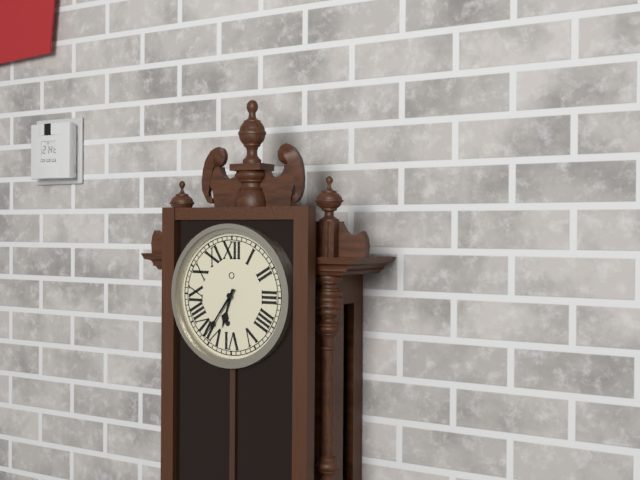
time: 6:36
